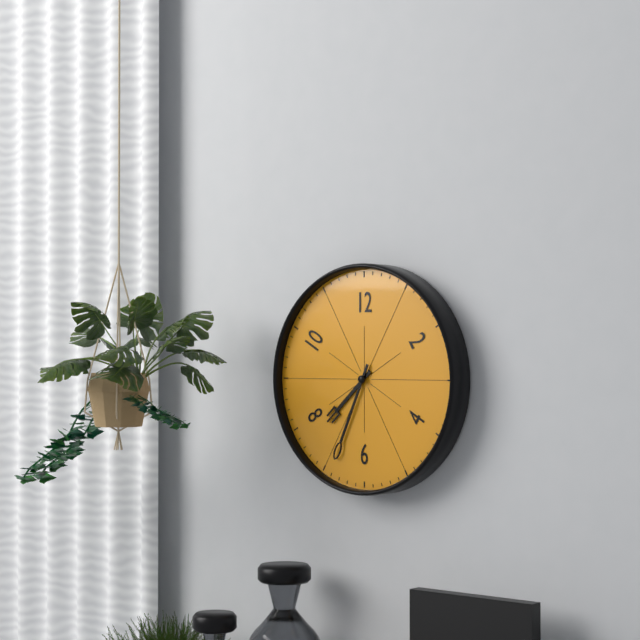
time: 7:34
